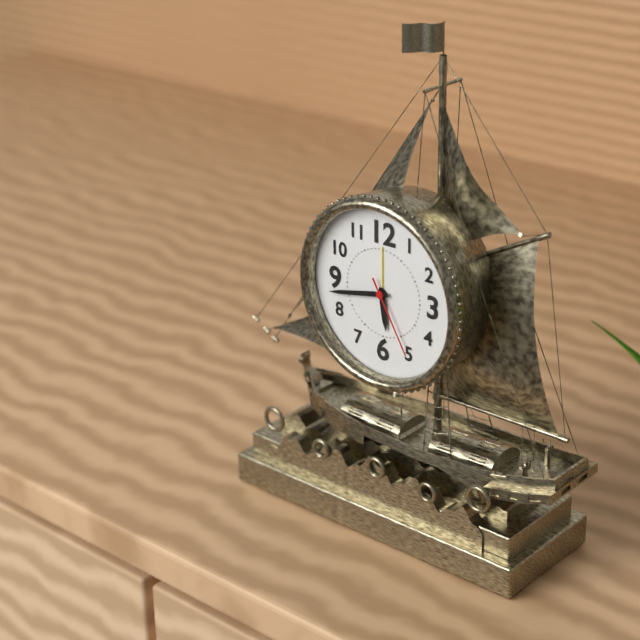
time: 5:43:25
